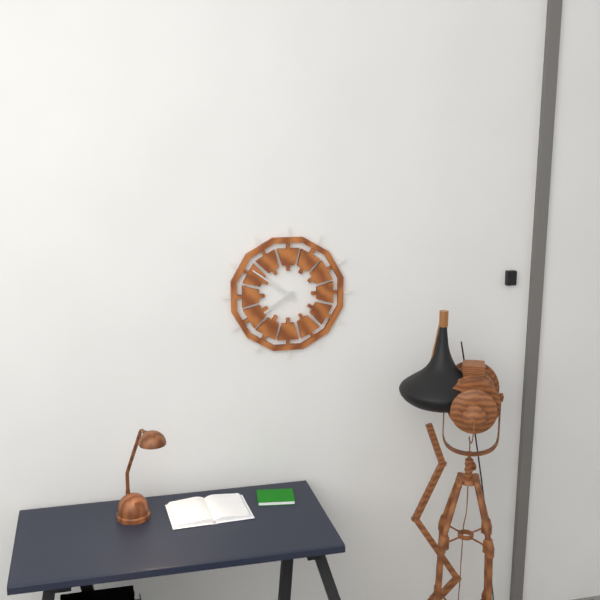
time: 7:51
